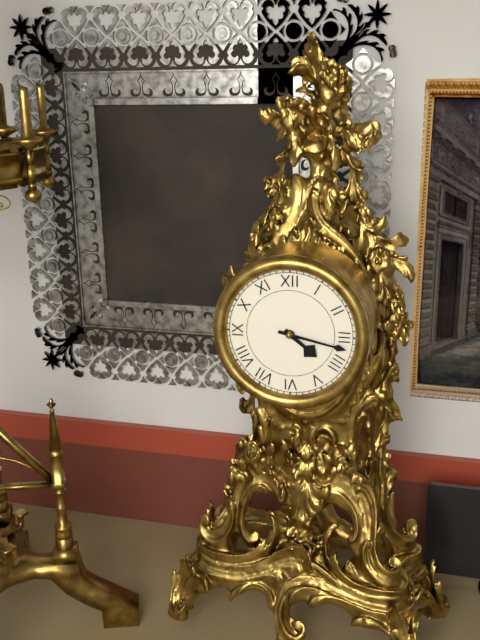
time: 4:17
